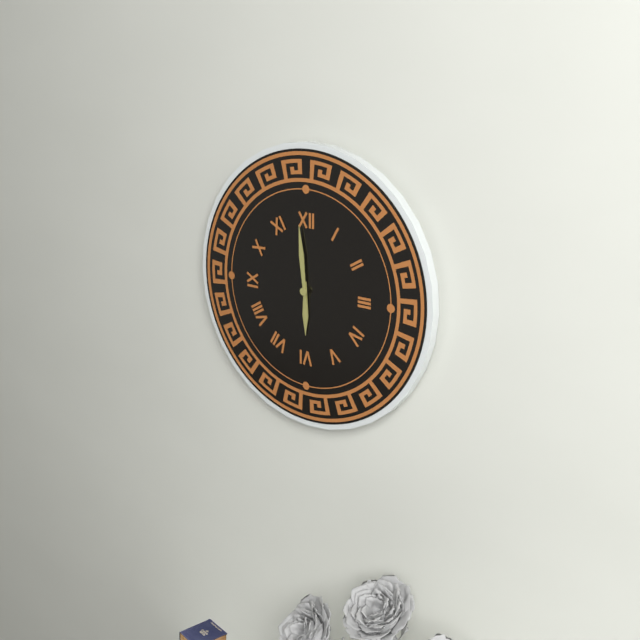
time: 5:59
